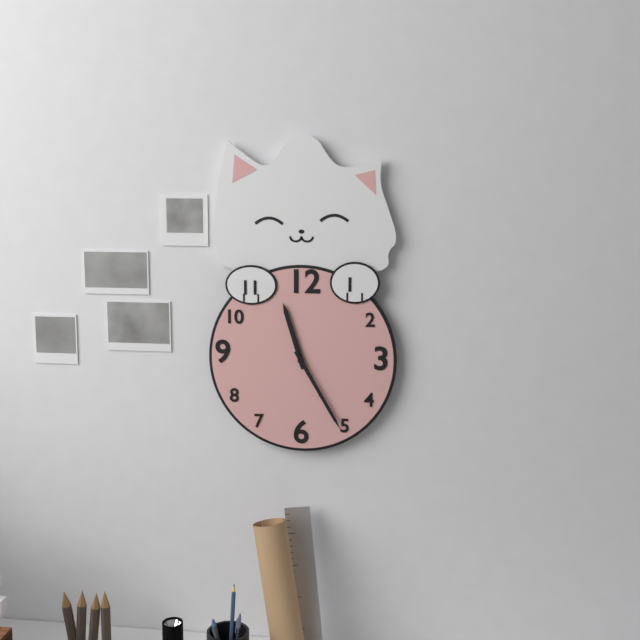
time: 11:25
